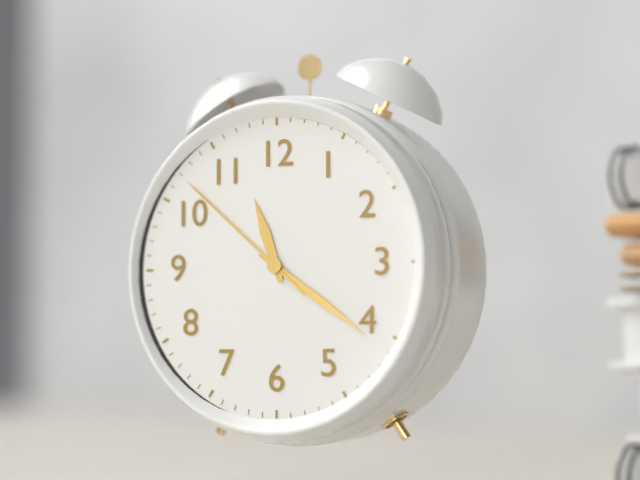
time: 11:21:52
